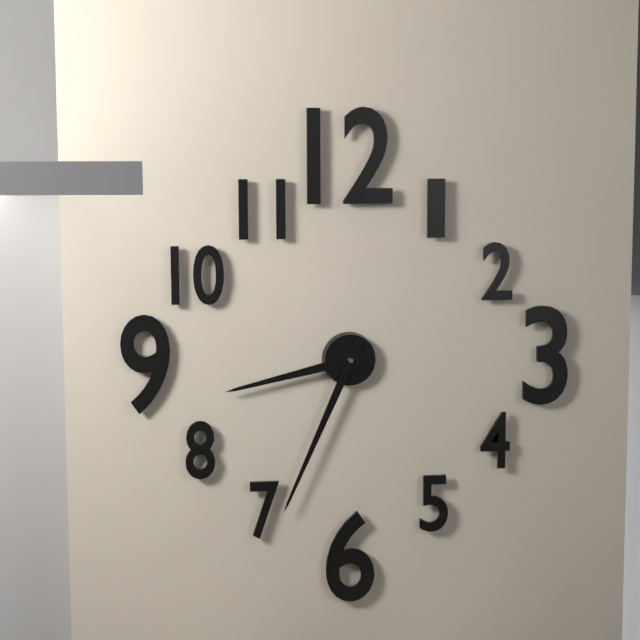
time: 8:34
